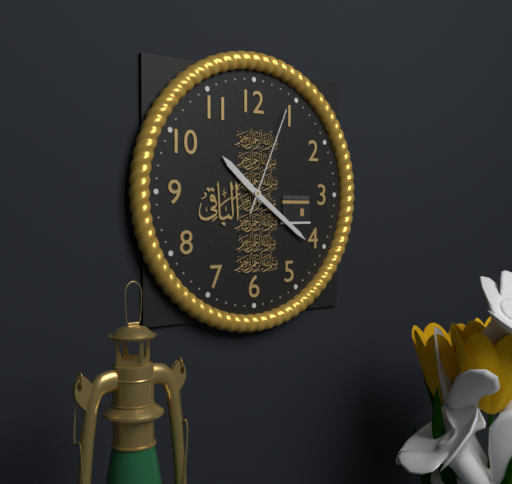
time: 10:21:04
